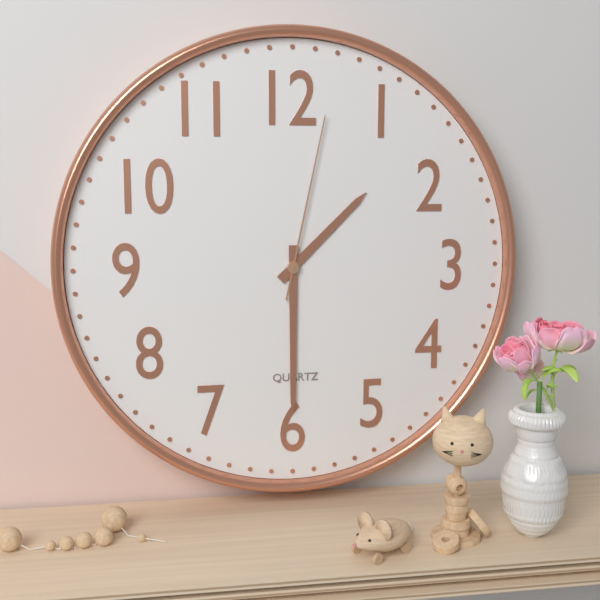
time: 1:30:02
